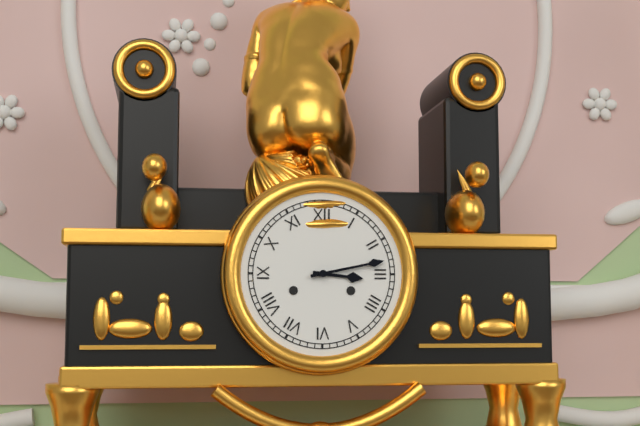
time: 3:13
